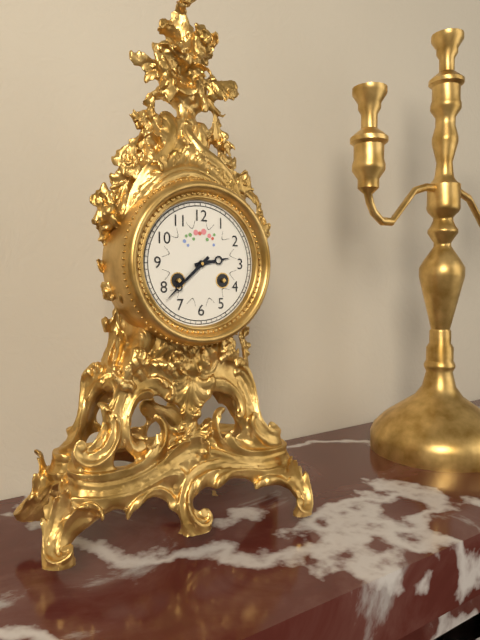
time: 2:38
